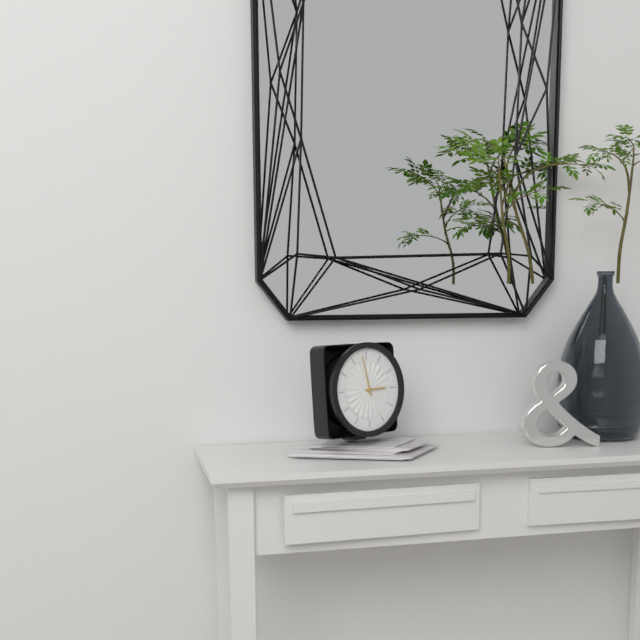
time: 2:58
